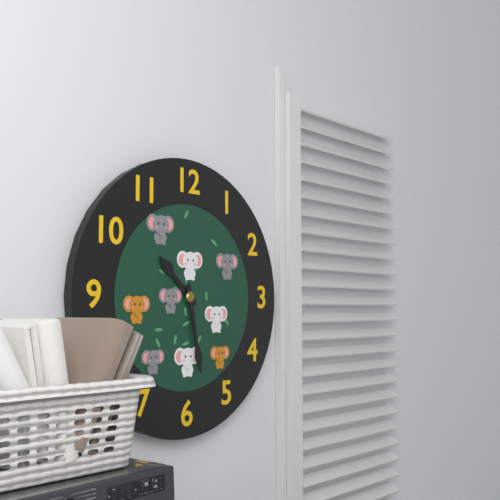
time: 10:28
